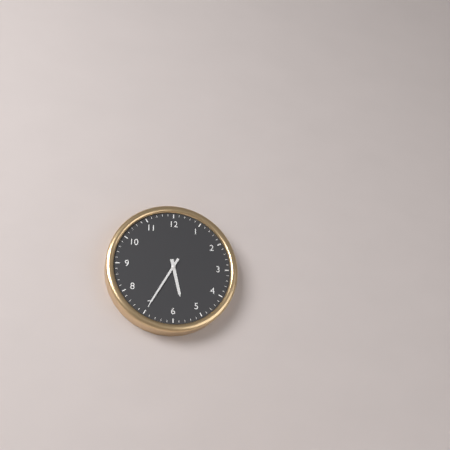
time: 5:35
